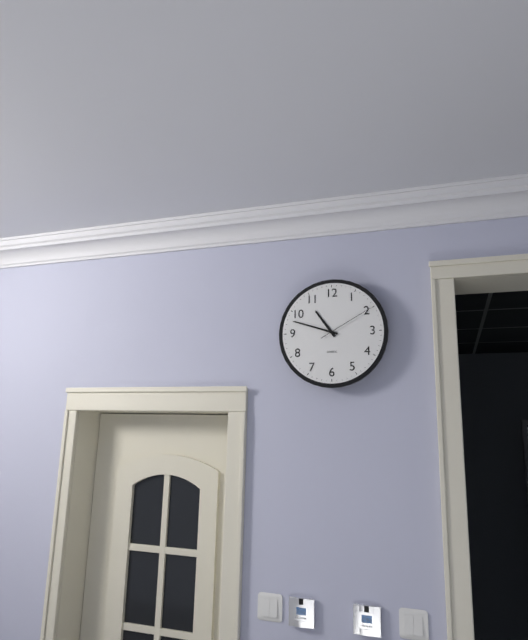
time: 10:48:10
